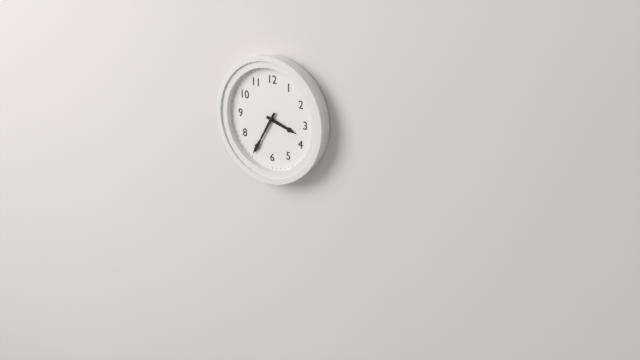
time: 3:35
